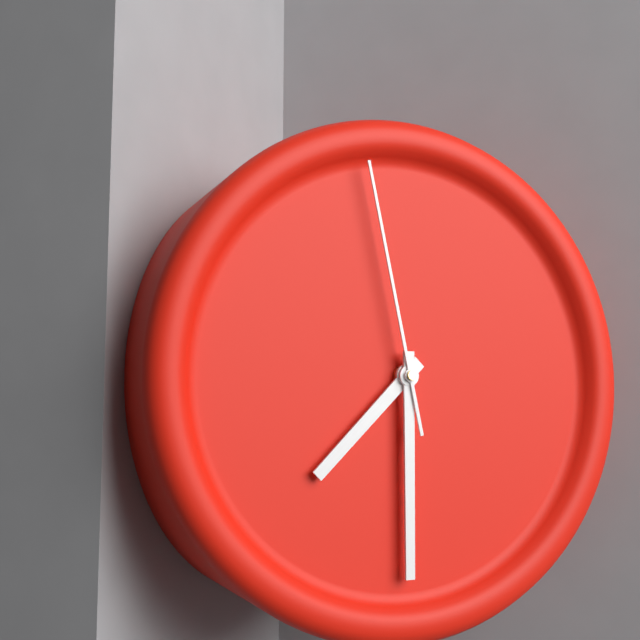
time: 7:30:58
